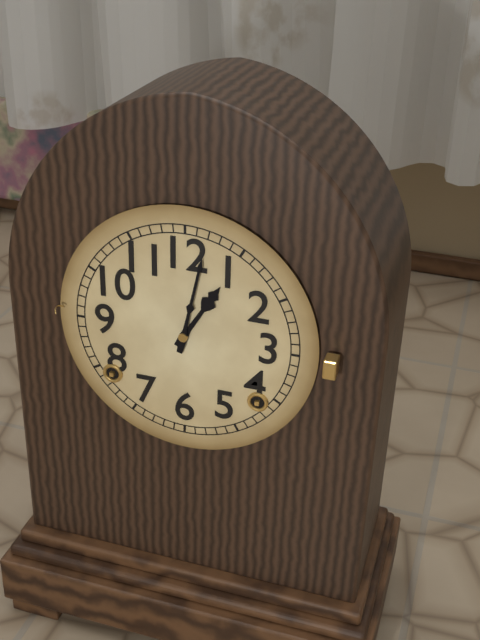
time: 1:02
